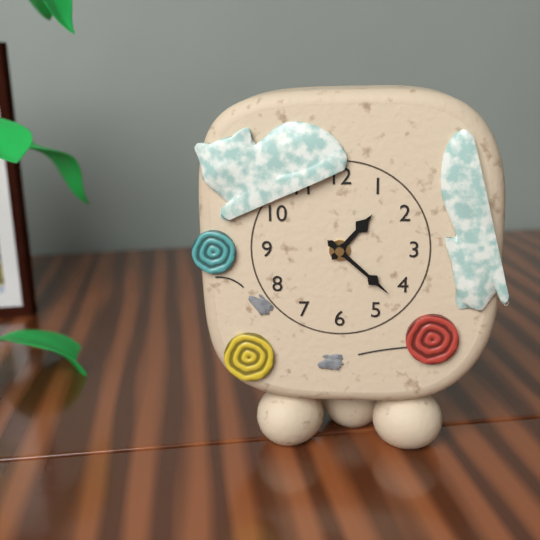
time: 1:22
